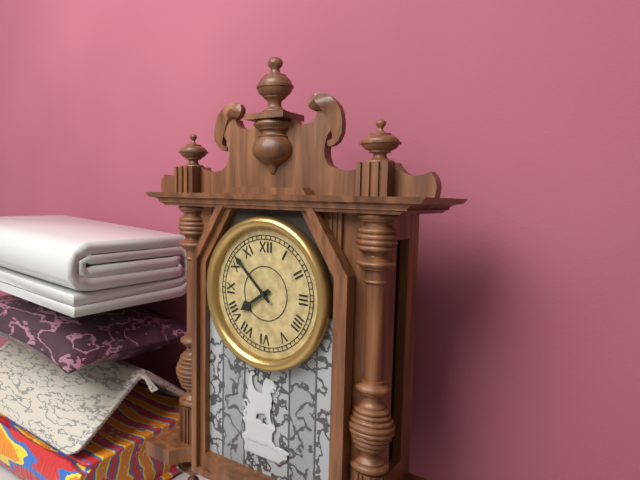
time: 7:52
